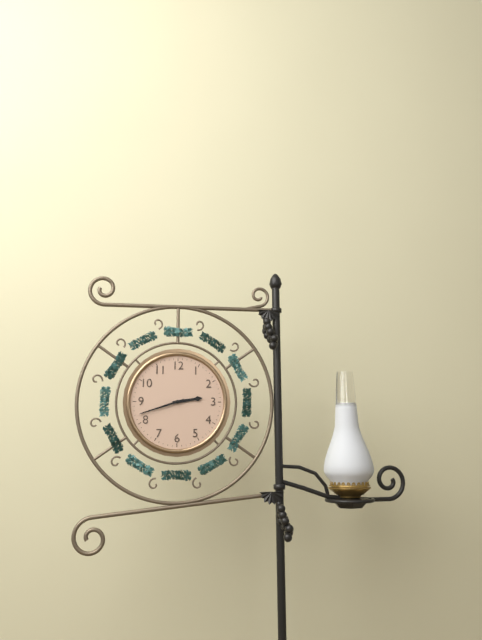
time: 2:42
